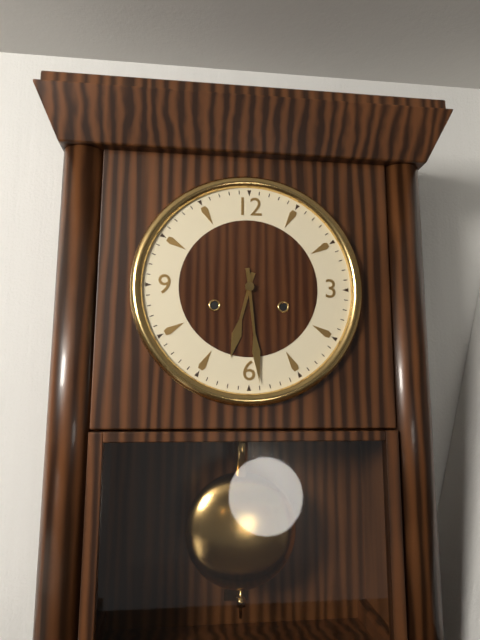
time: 6:29
